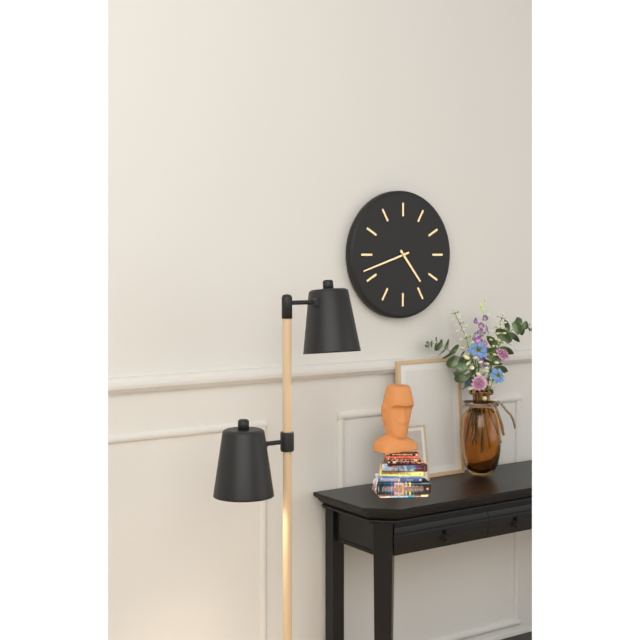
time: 4:42
